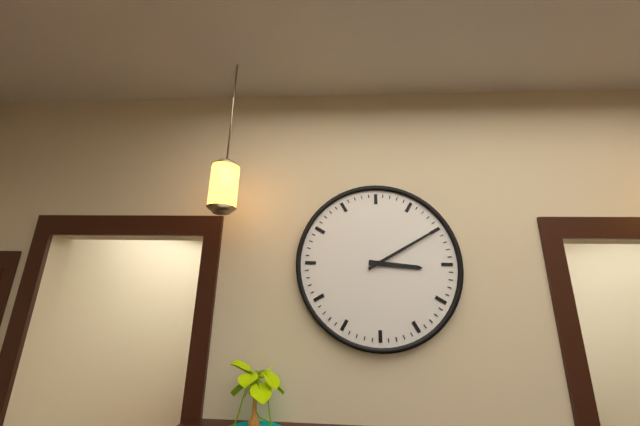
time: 3:10
